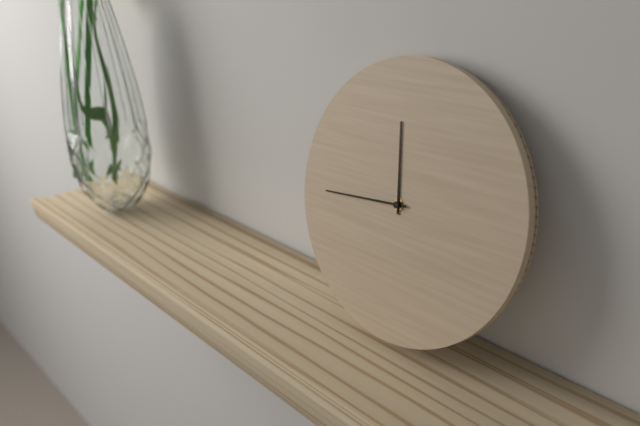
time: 11:44
